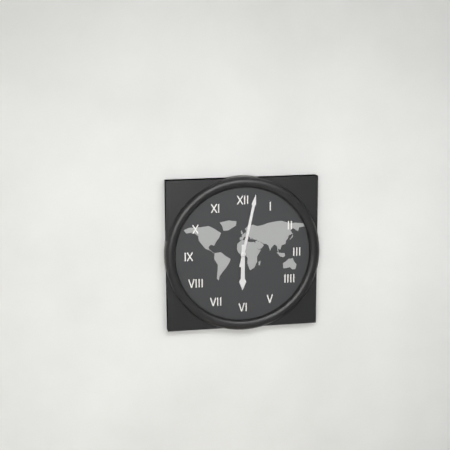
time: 6:02
